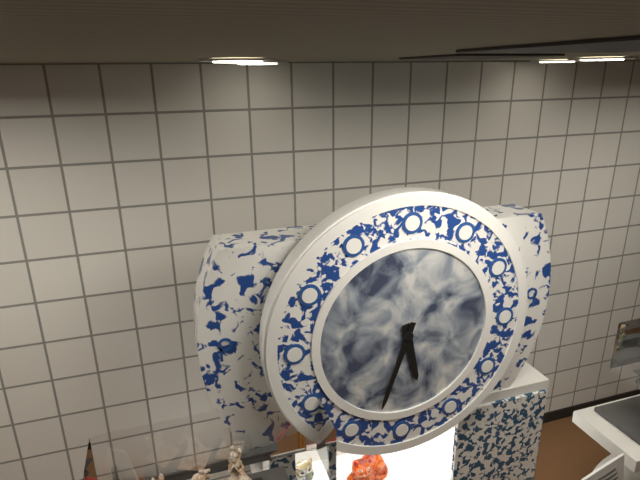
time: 5:33
